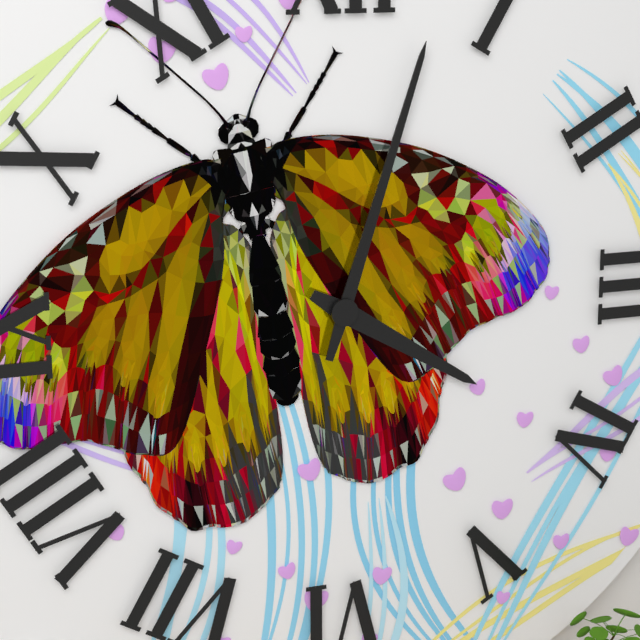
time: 4:03
